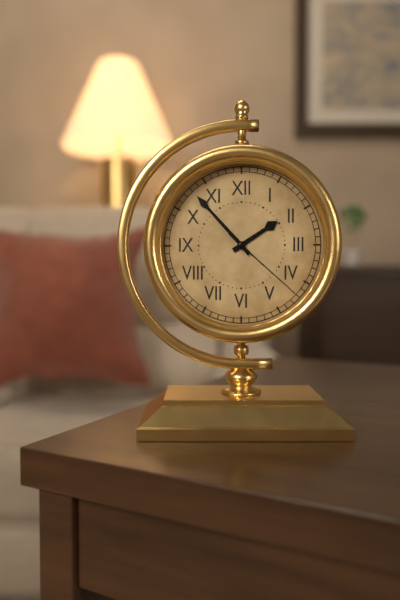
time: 1:53:22
